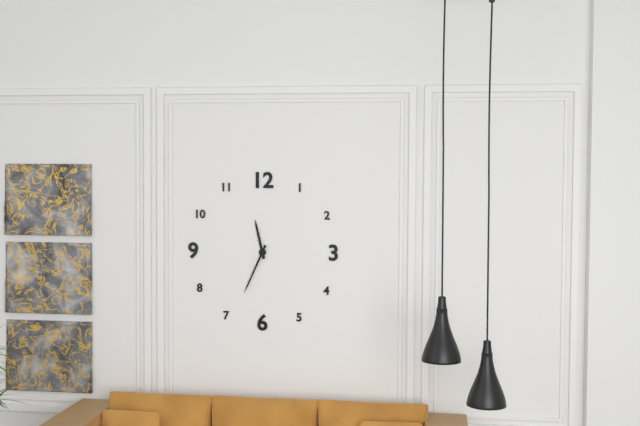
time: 11:34
